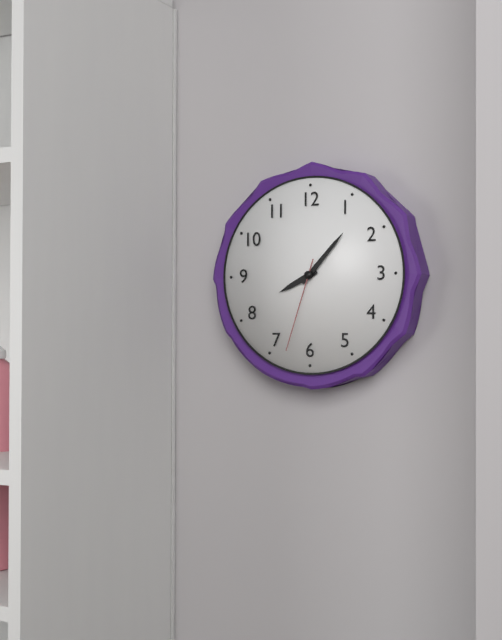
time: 8:07:33
